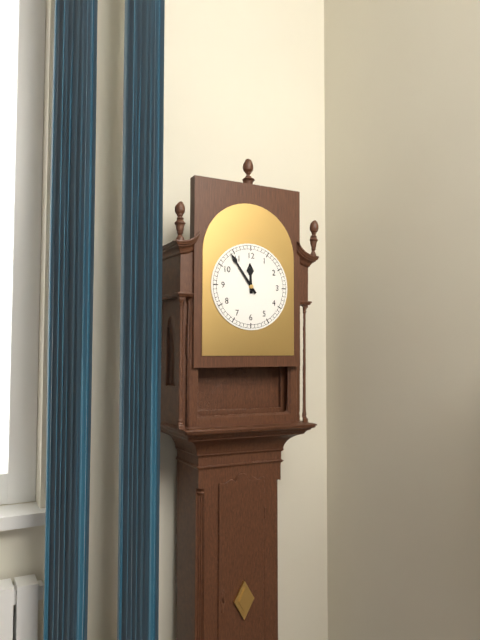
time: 11:54
